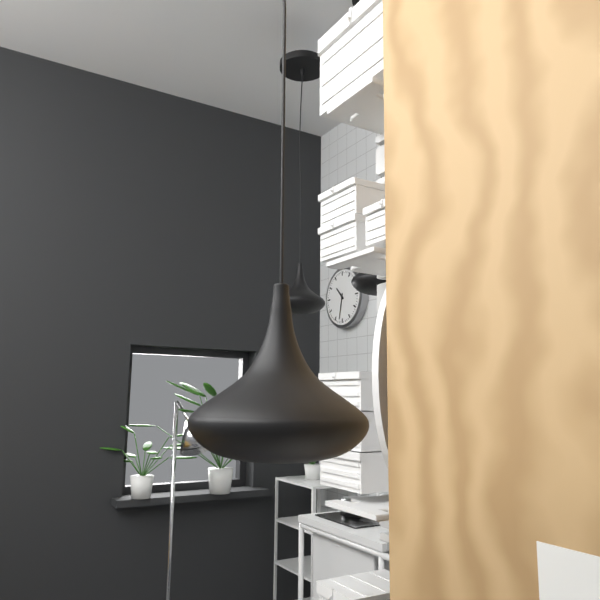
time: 10:32
